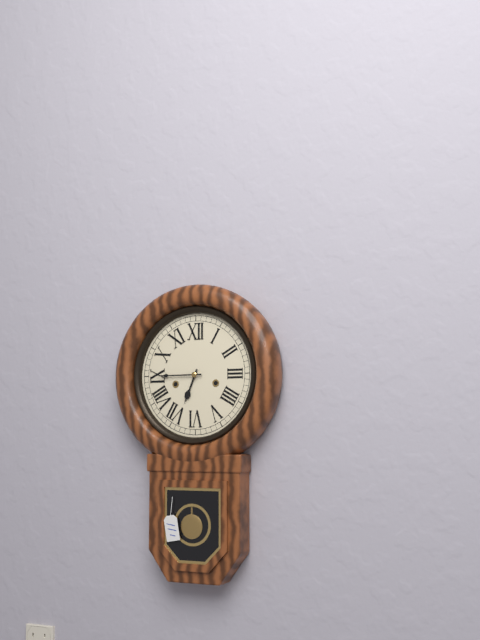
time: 6:45
